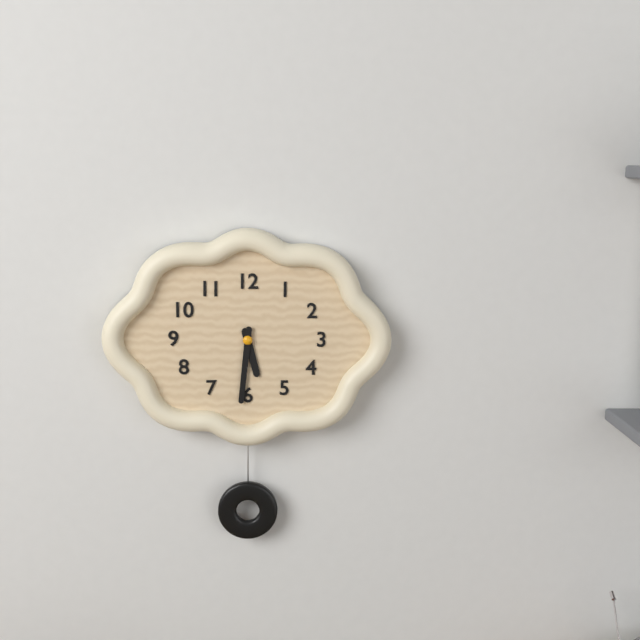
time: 5:31
